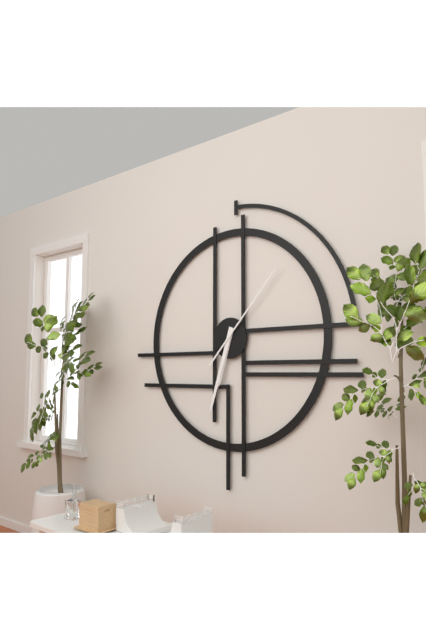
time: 6:33:07
